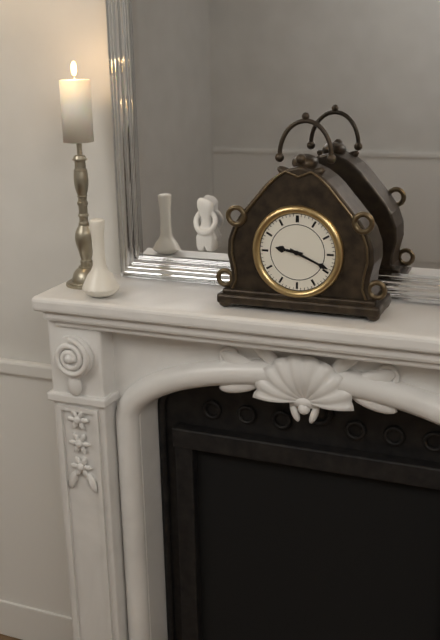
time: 9:19
